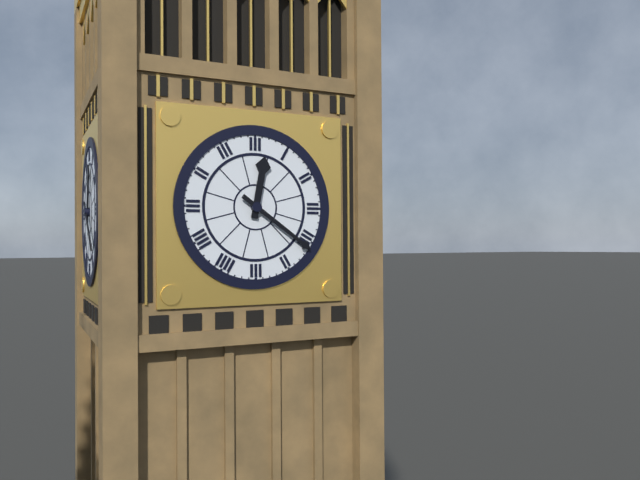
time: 12:21
